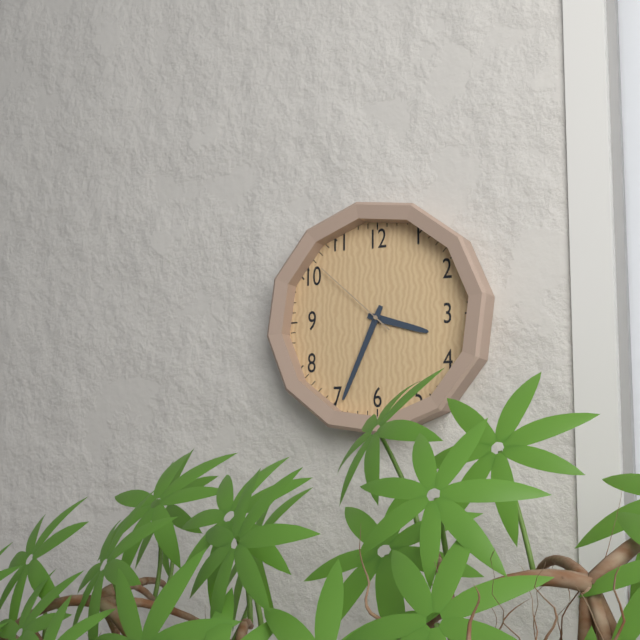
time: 3:34:52
